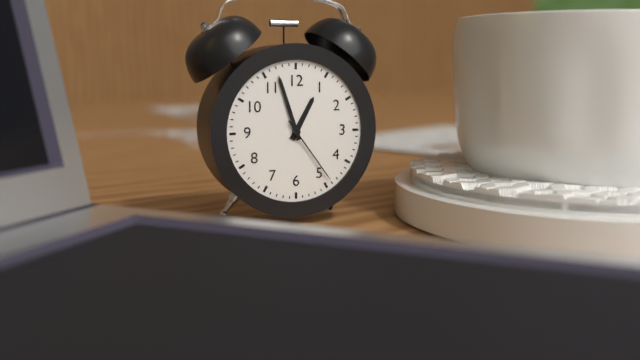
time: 12:57:24
